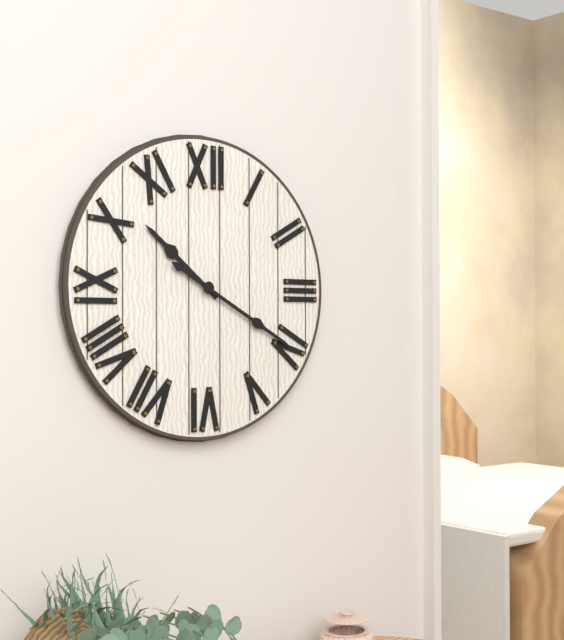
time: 10:20
